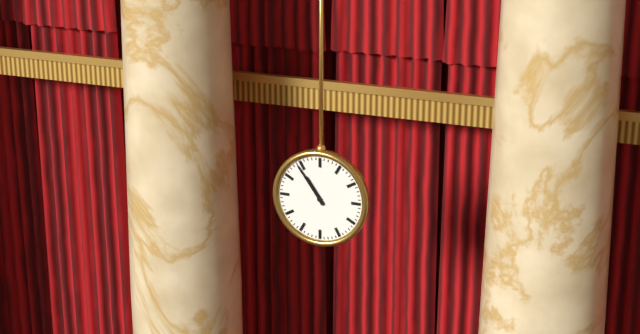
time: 10:54
